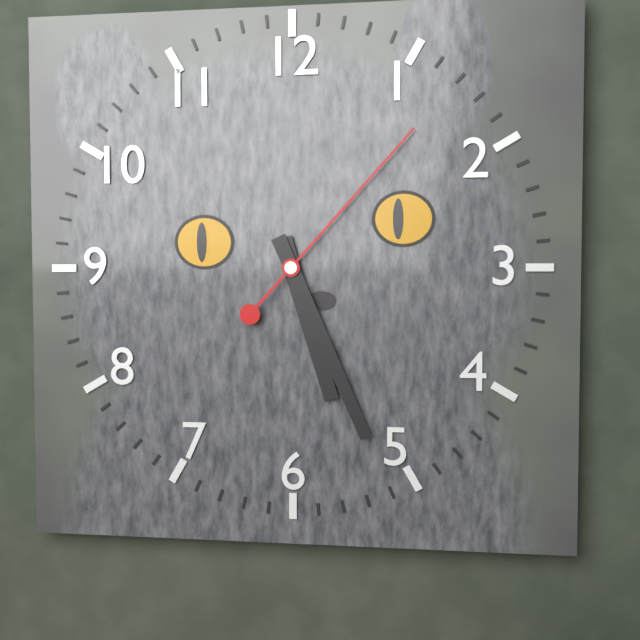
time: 5:26:07
